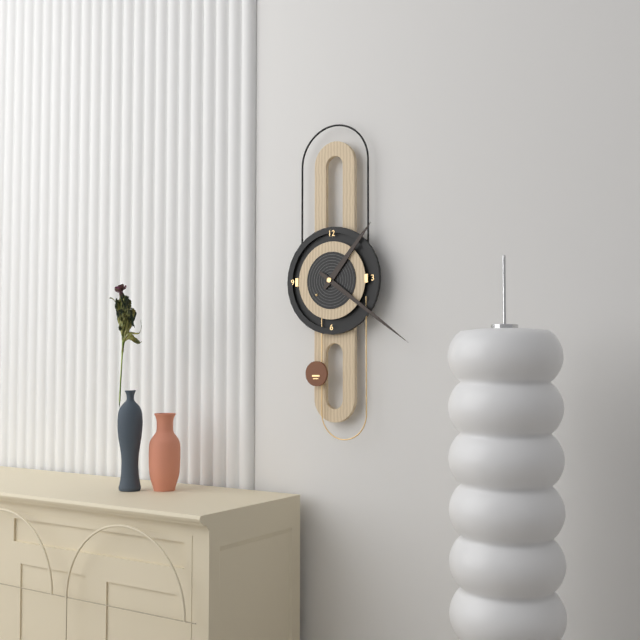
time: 1:21
